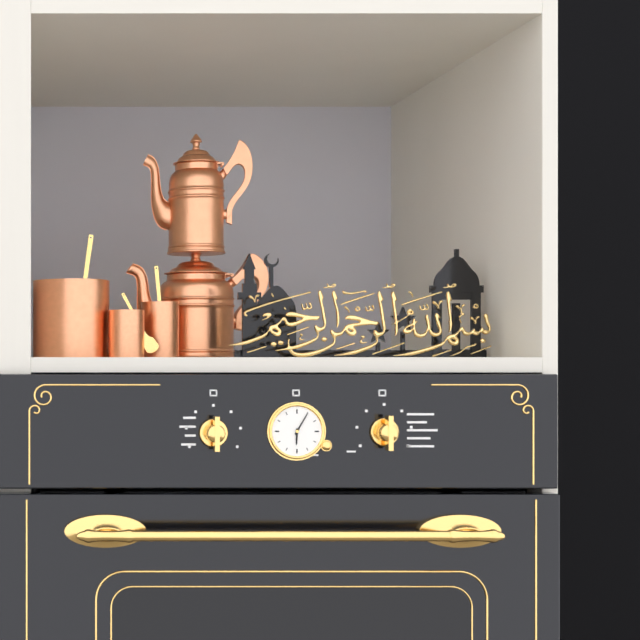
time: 6:05
